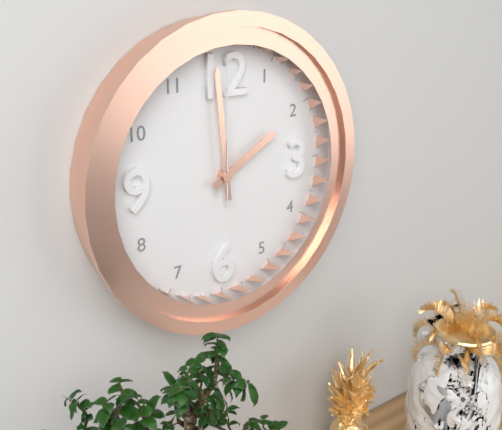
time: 1:59:00
